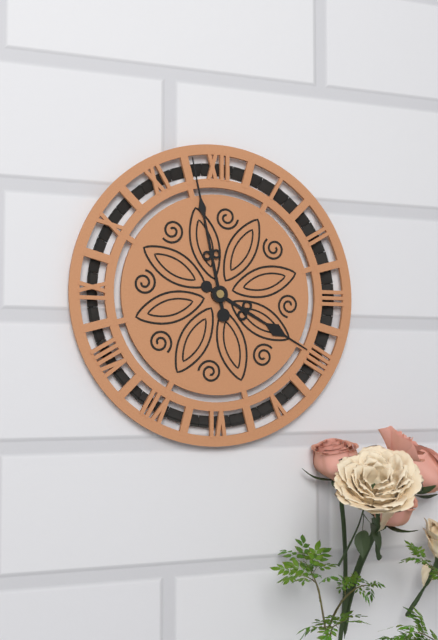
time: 3:58
